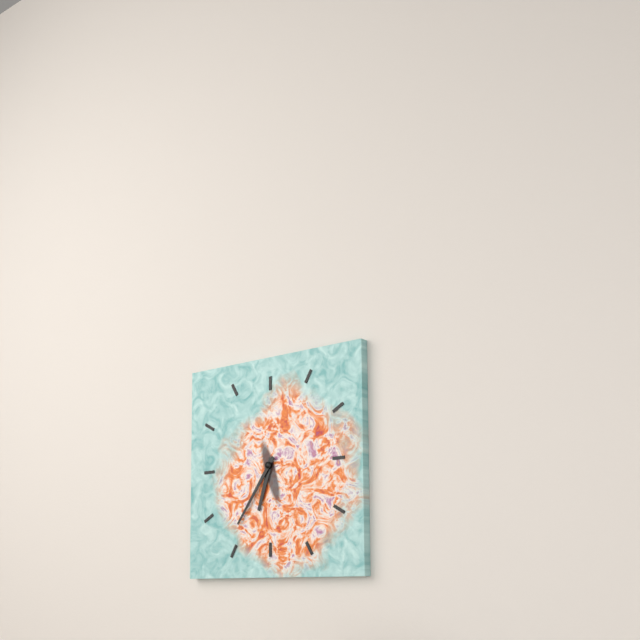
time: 6:36
